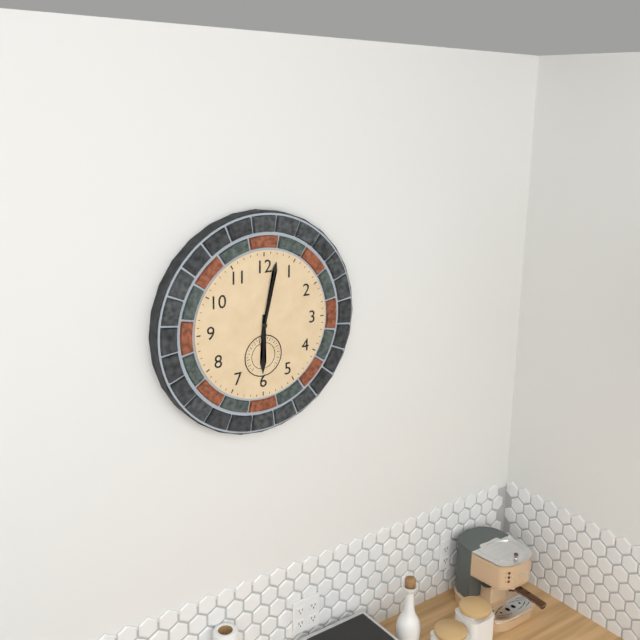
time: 6:02
